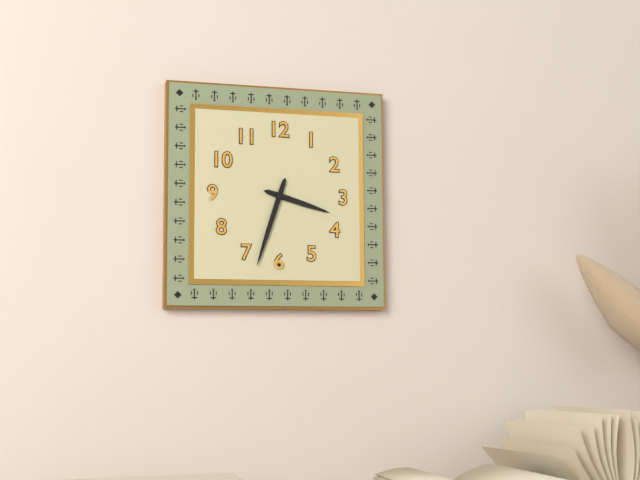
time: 3:33
